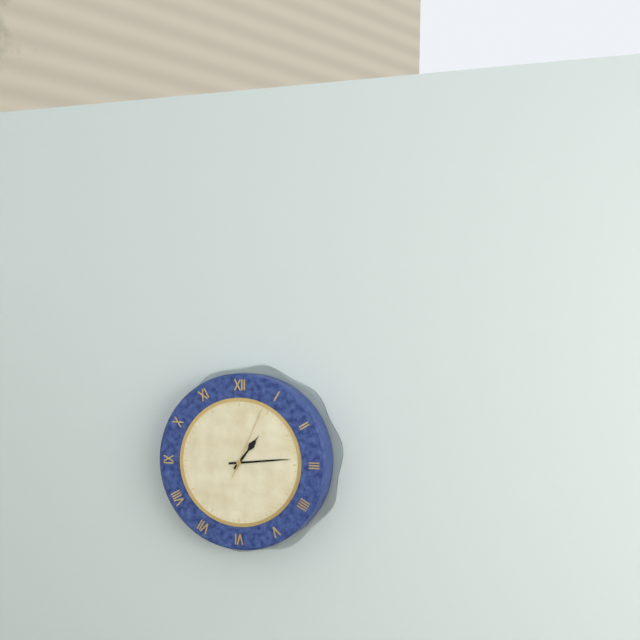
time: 1:14:04
